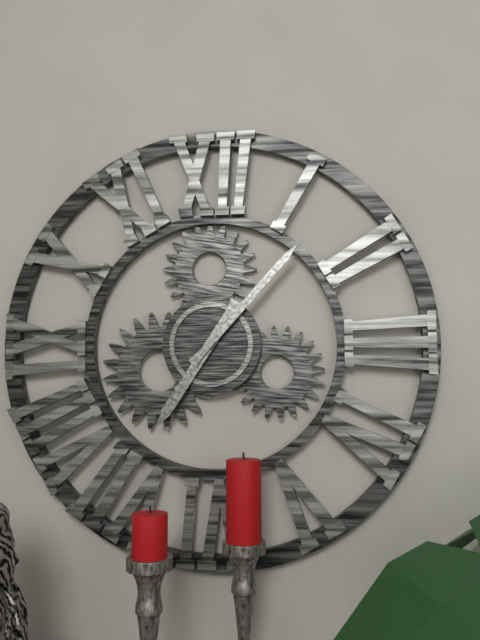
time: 7:07
